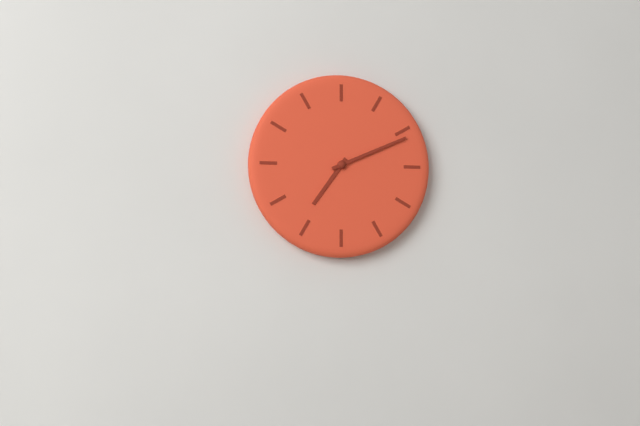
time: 7:11
